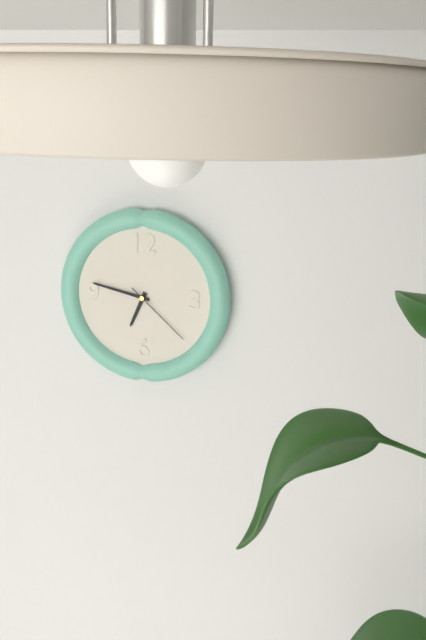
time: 6:47:22
